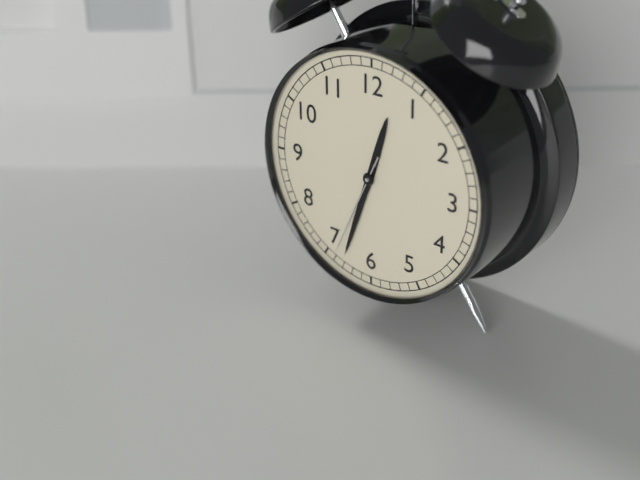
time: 12:33:34
